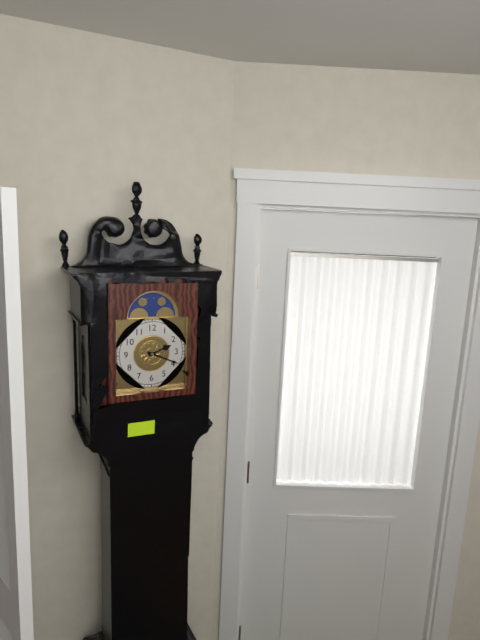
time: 2:19
